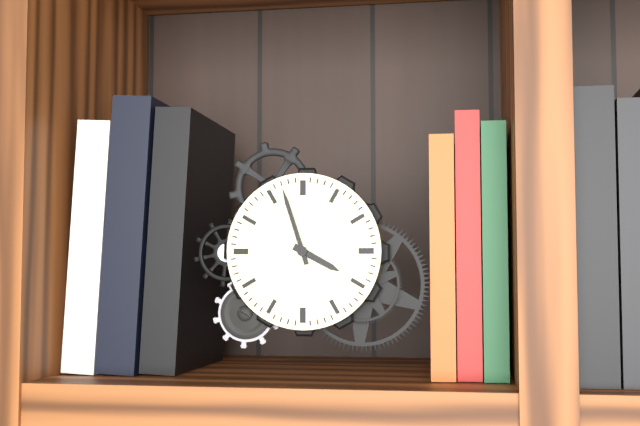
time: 3:57
